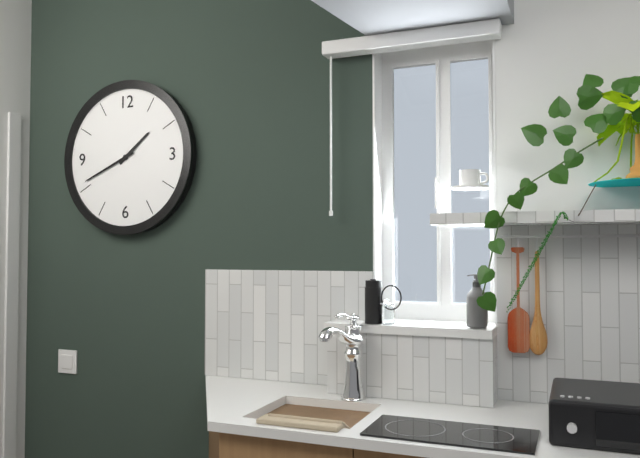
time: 1:41
